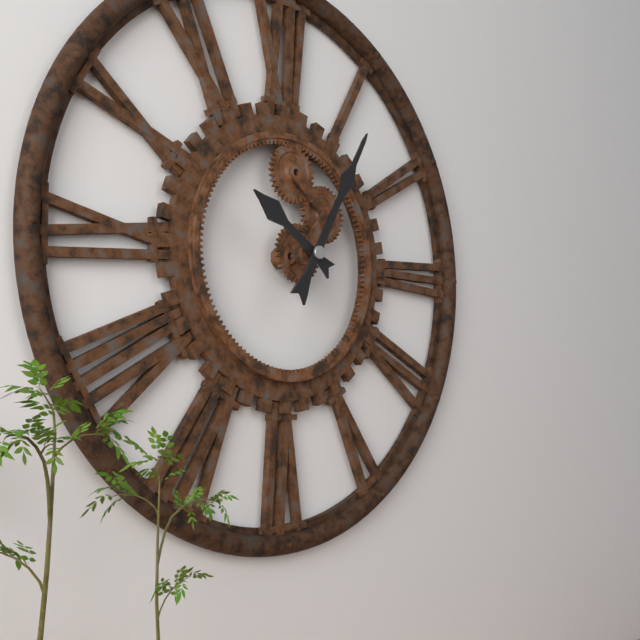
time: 10:05
